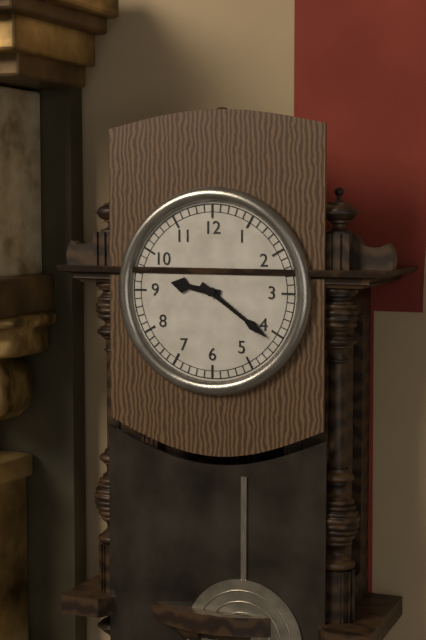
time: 9:21
